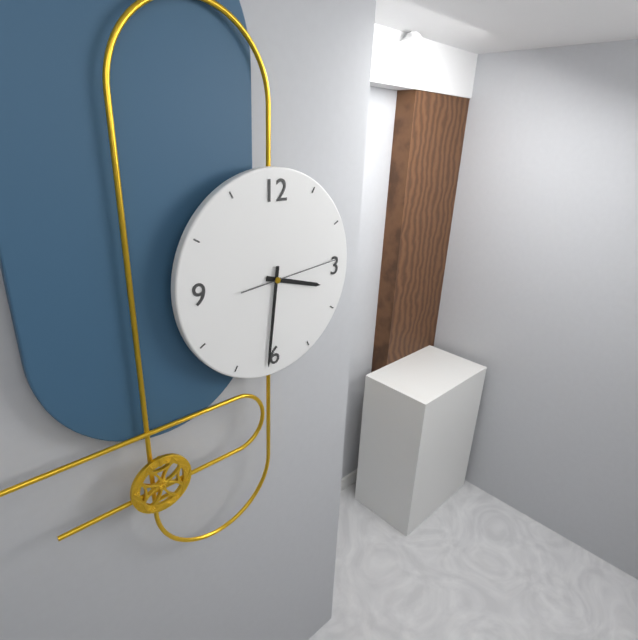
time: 3:31:14
